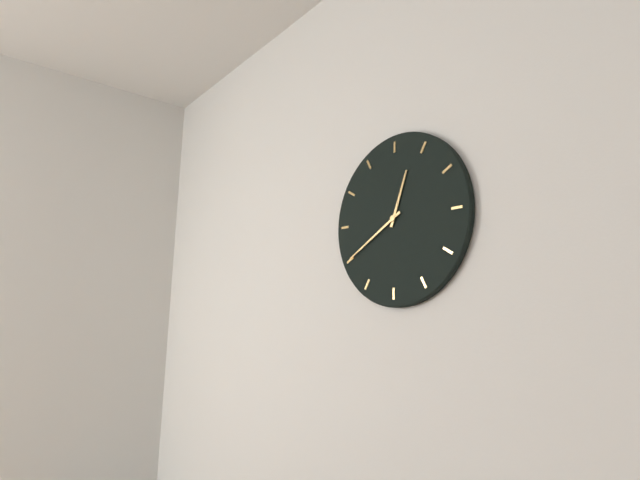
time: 12:40
